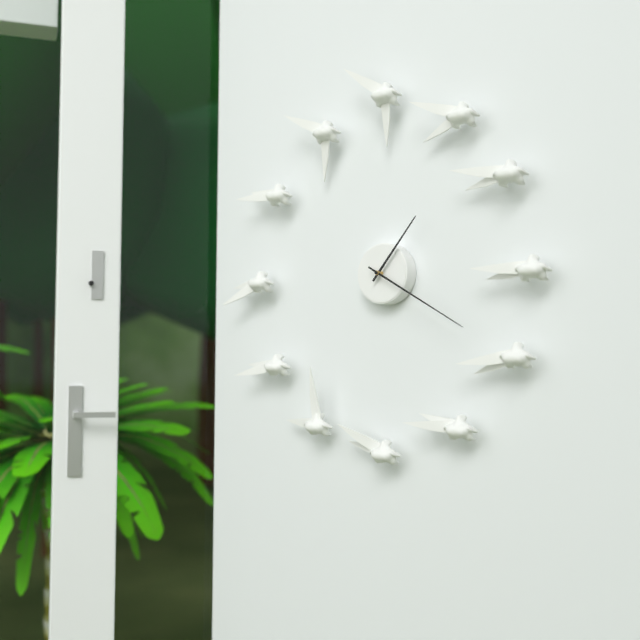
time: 1:20
